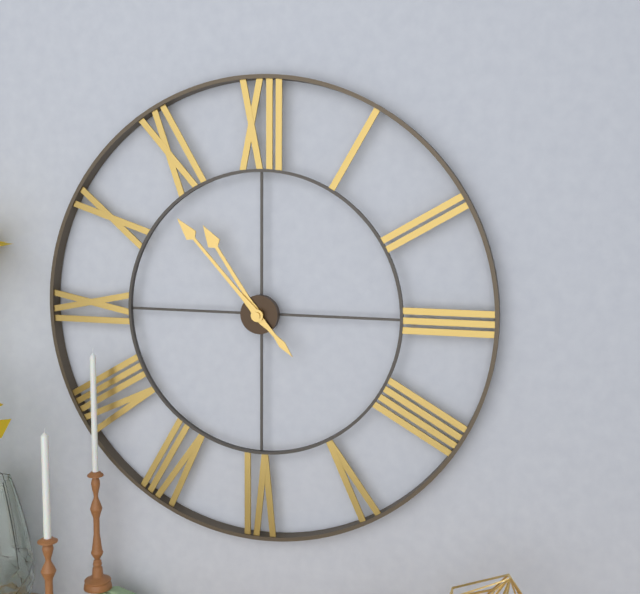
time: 10:53
